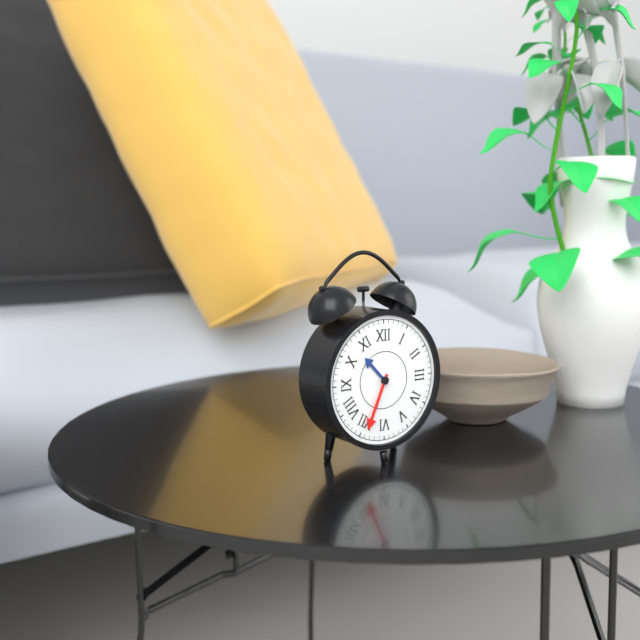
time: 10:34
